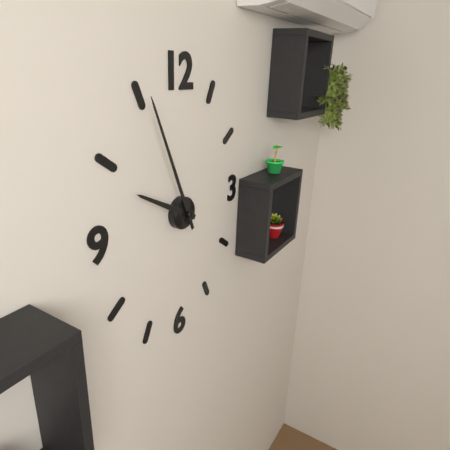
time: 9:56
